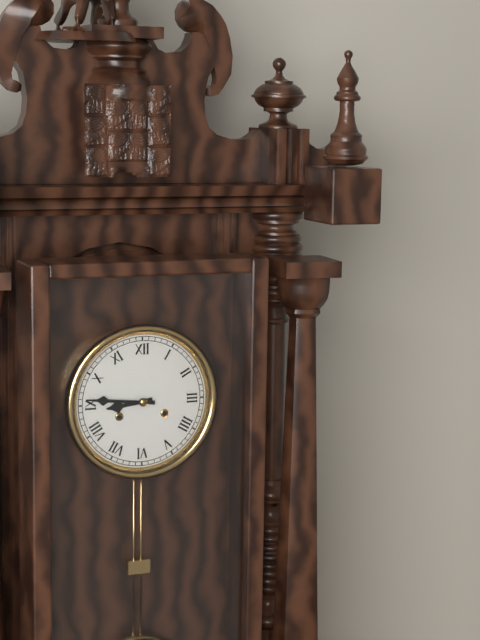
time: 8:46
